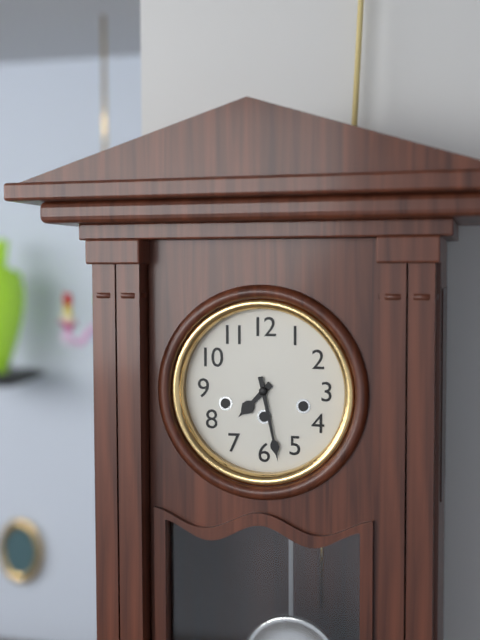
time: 7:28
